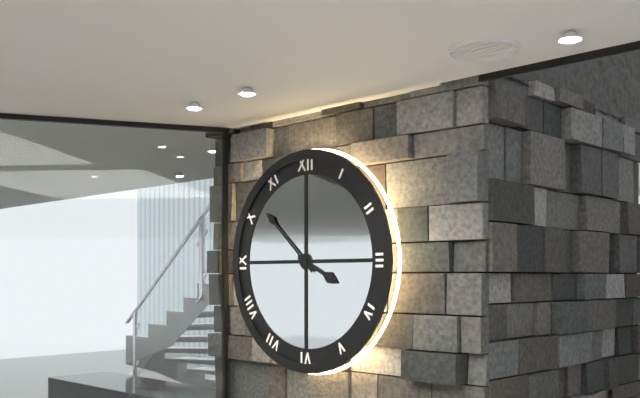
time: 3:52
